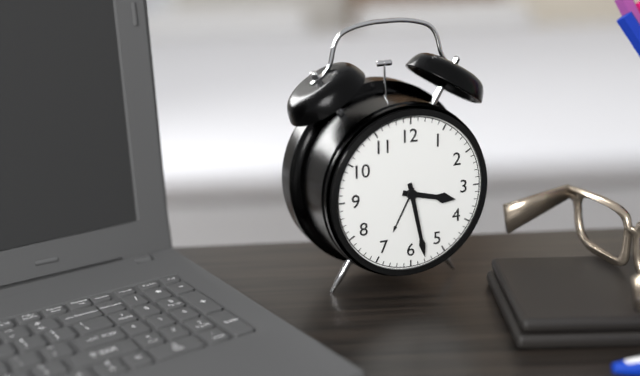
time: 3:28
